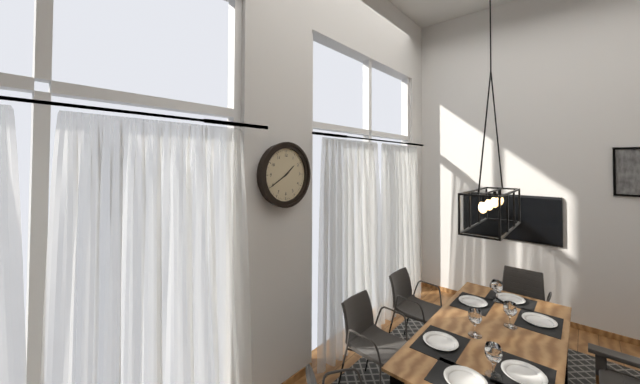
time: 1:40
